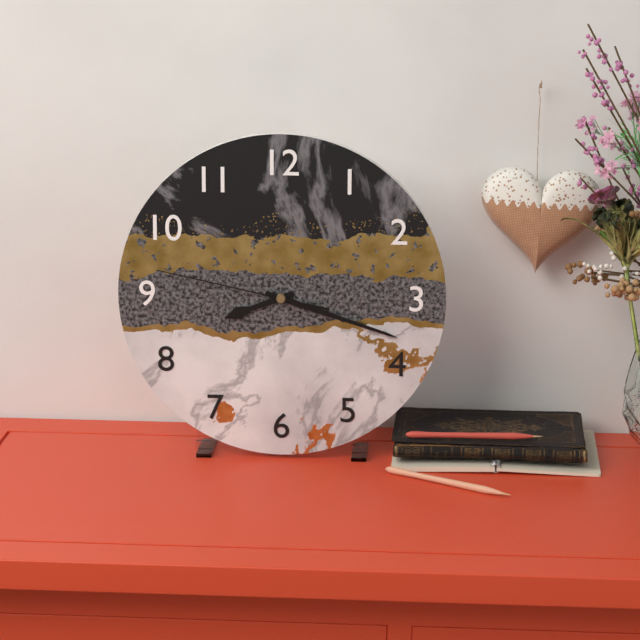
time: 8:18:47
